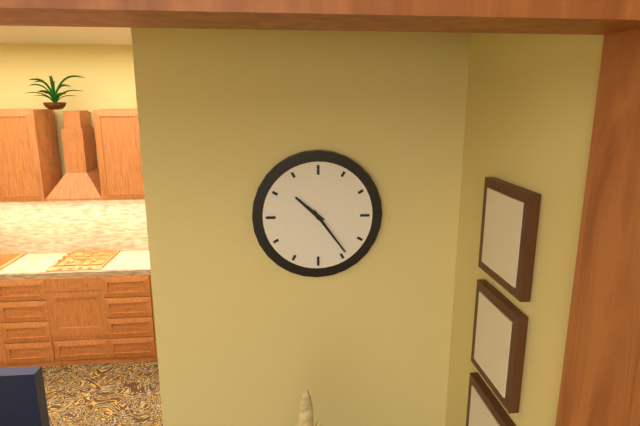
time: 10:24
